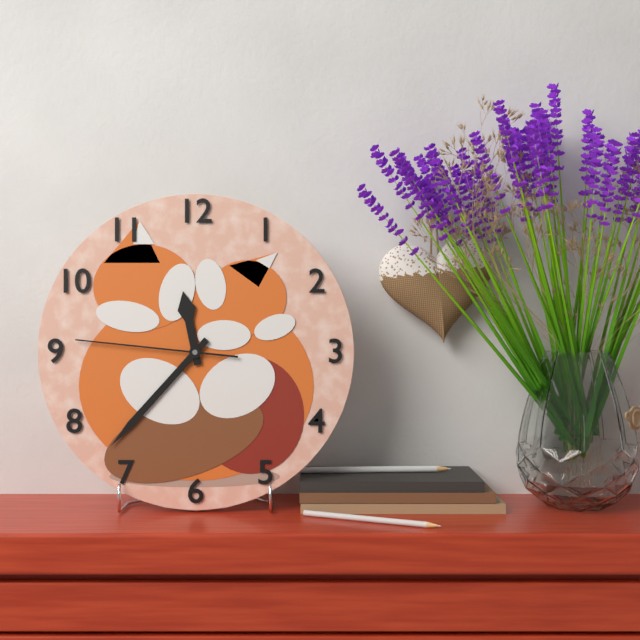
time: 11:37:46
